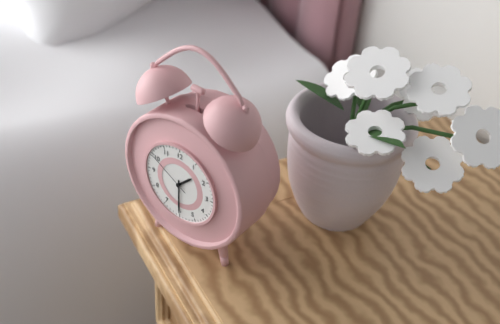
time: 1:30:50
